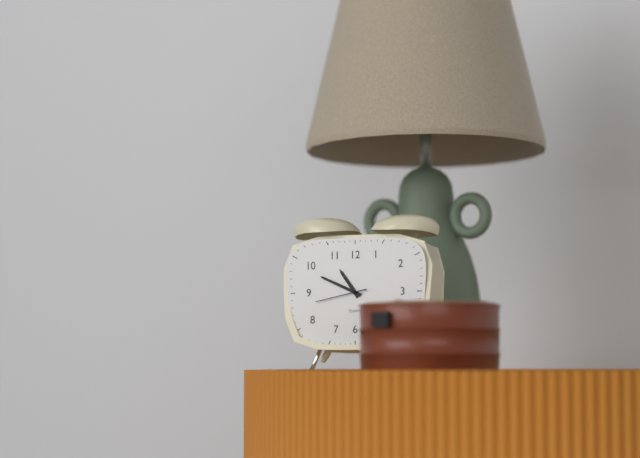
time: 10:49:43
